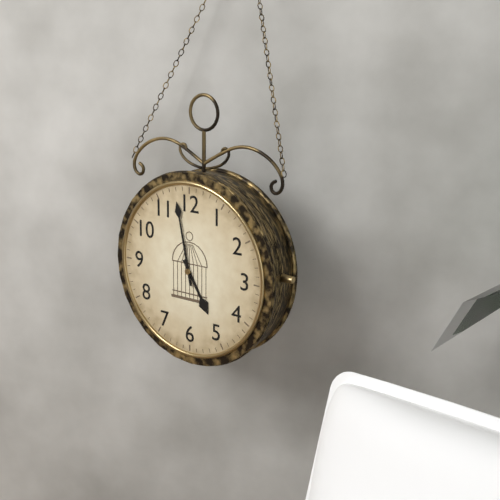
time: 4:58
